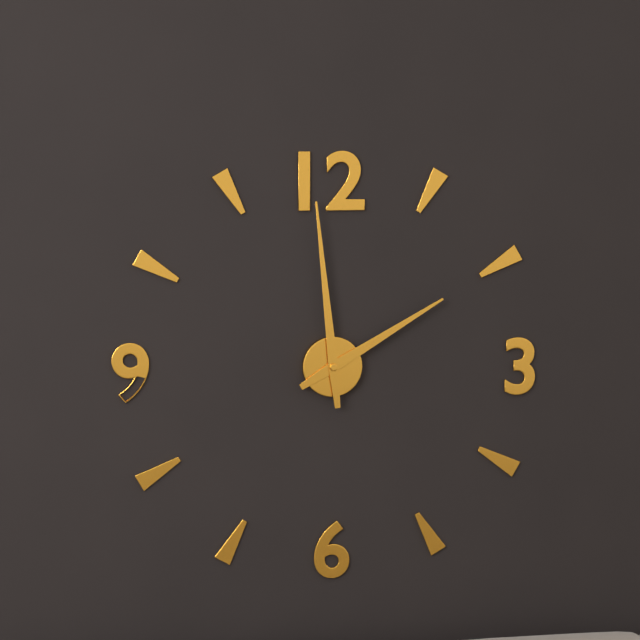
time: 1:59
